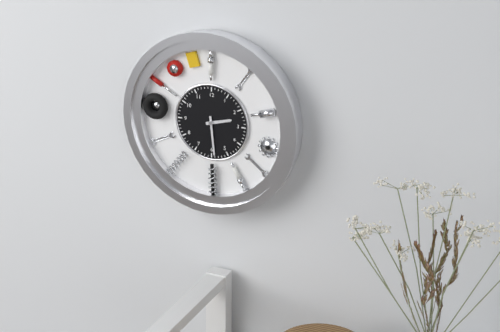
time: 2:29
